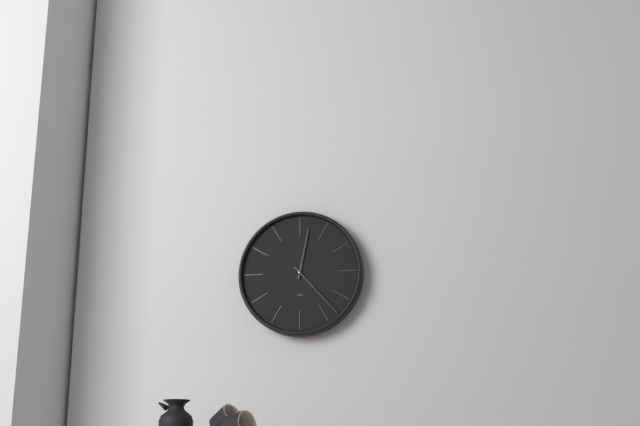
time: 12:23
